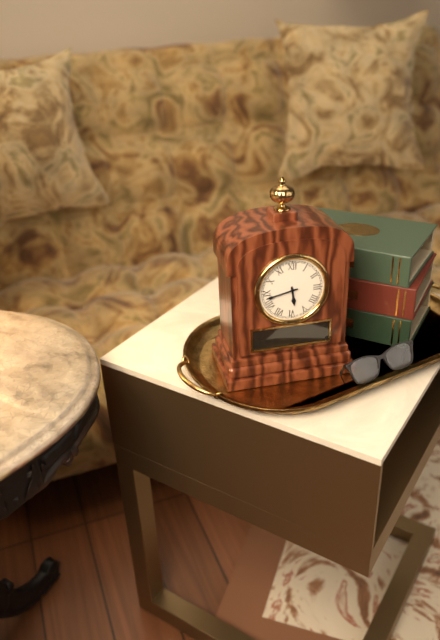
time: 5:43
